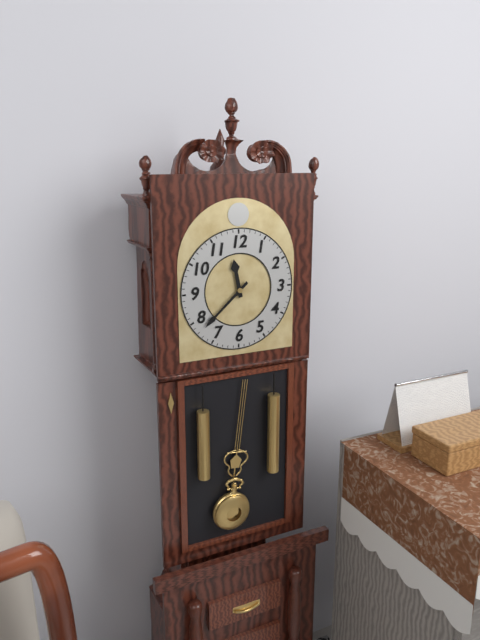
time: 11:38
